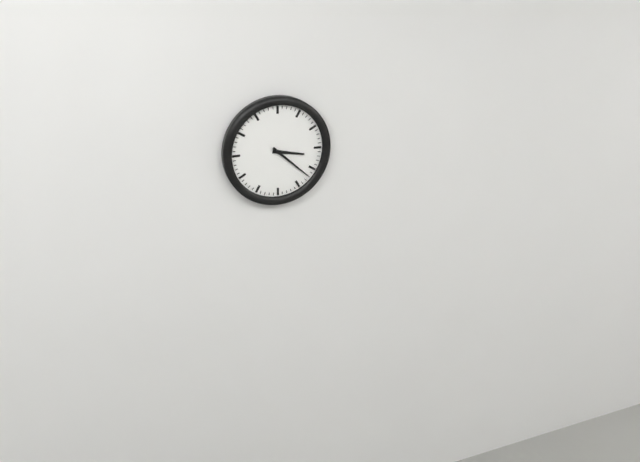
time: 3:22
